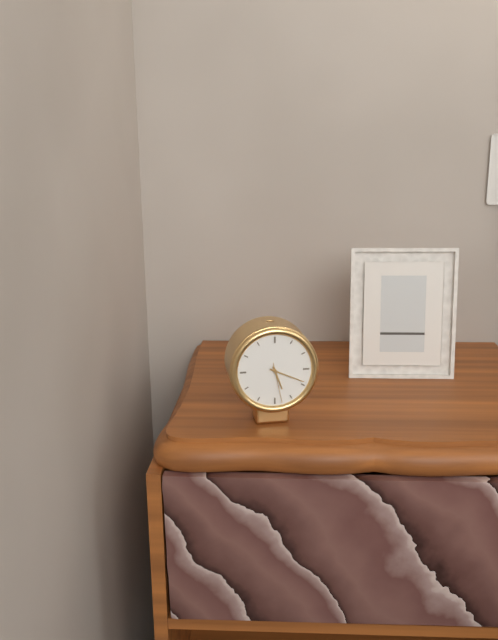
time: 5:19:28
